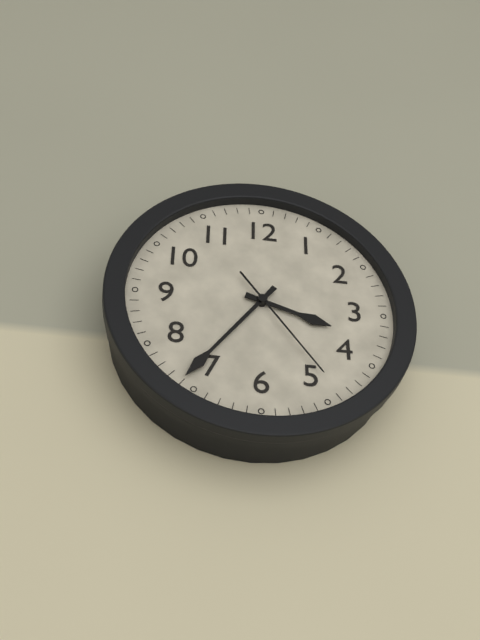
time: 3:36:24
